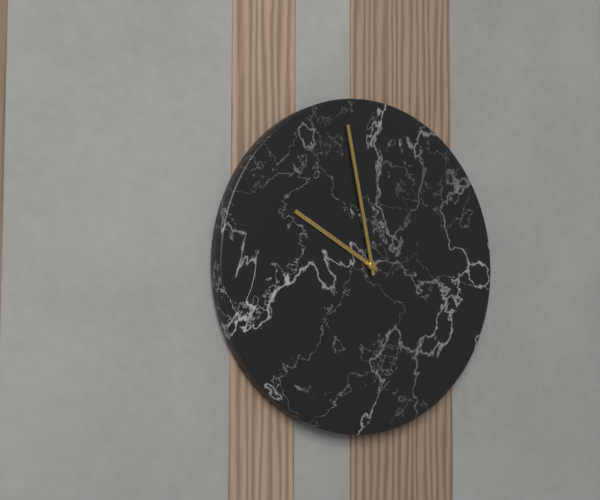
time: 9:58
